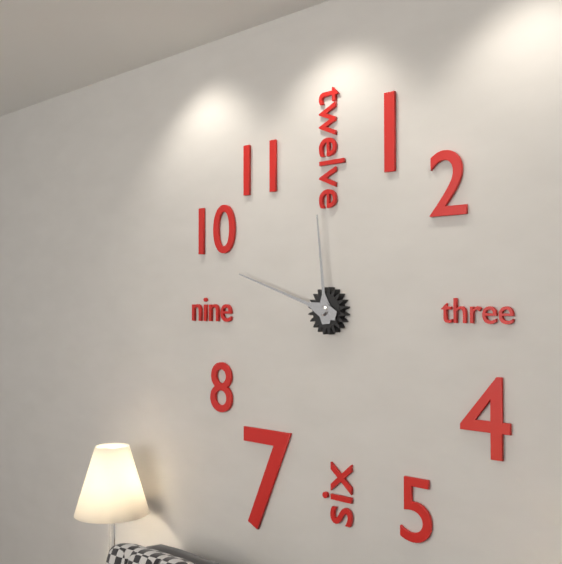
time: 11:48
